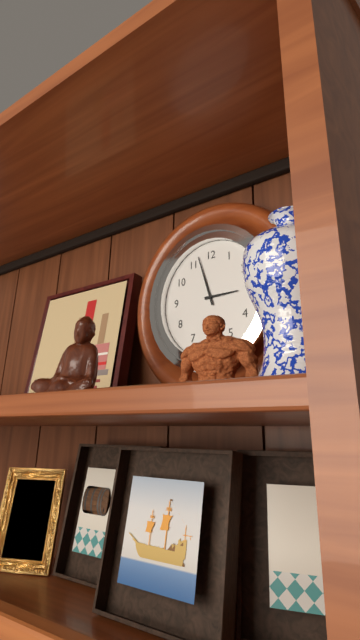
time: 2:57
